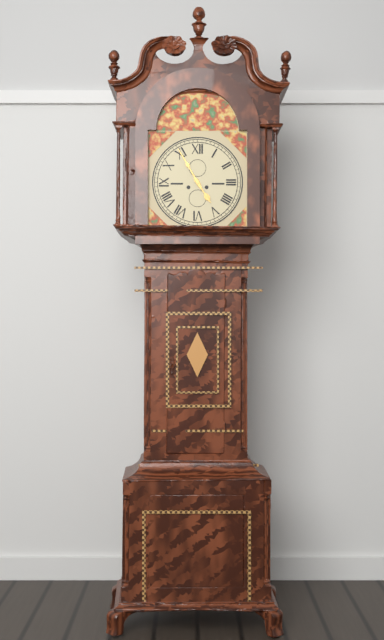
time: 4:55
